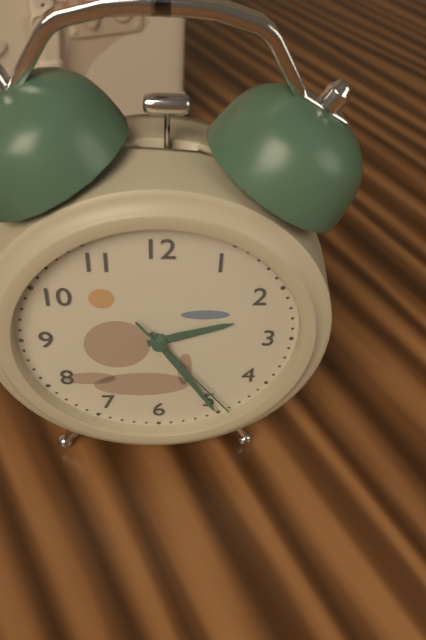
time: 2:25:24
